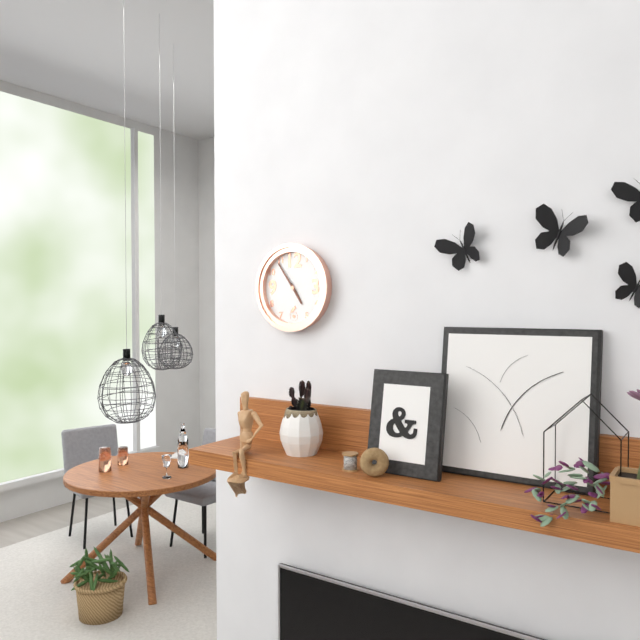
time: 4:54
